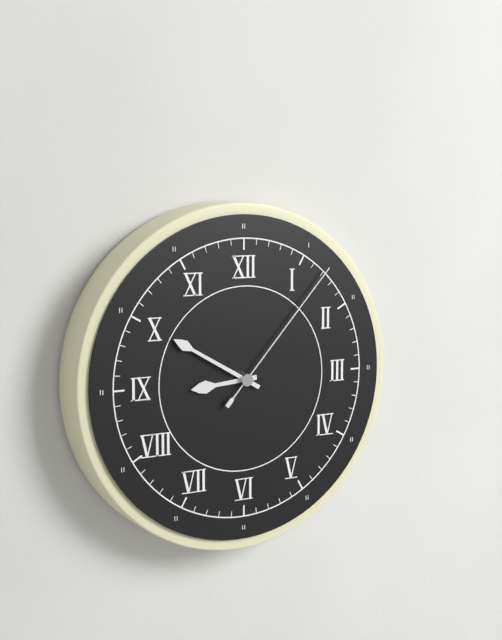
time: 8:50:07
